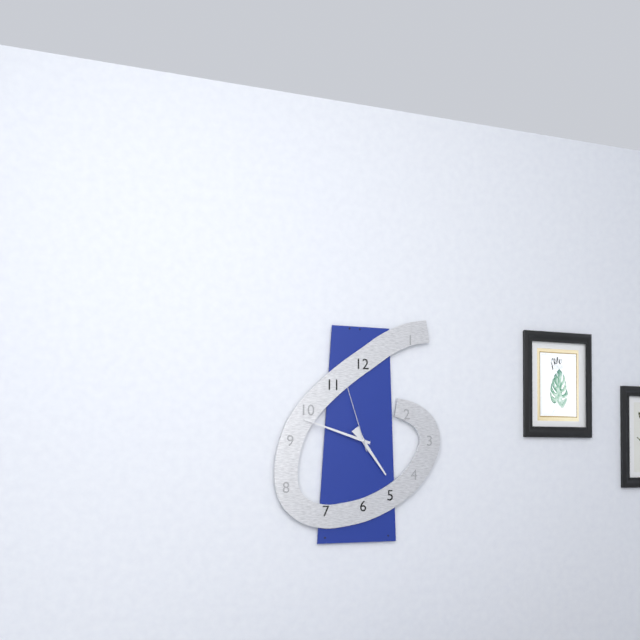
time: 4:48:57
